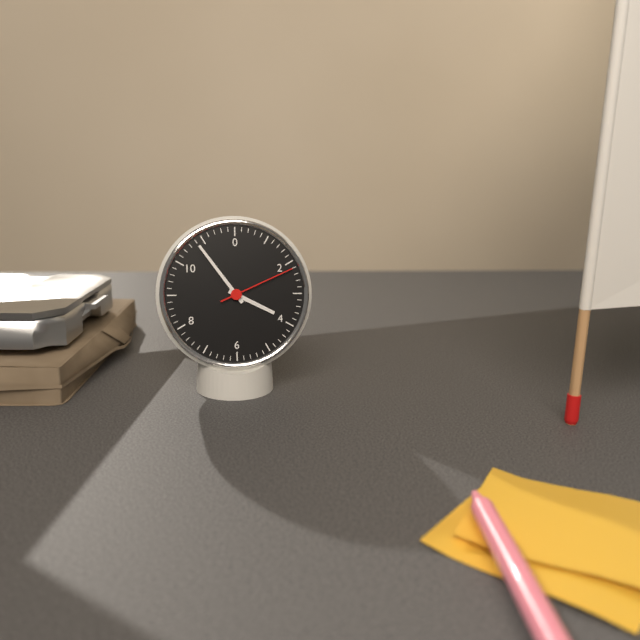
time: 3:54:11
